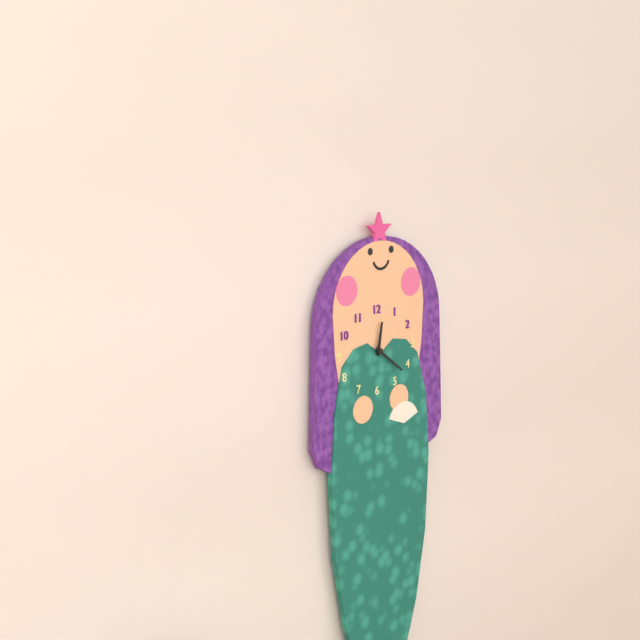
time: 12:21
